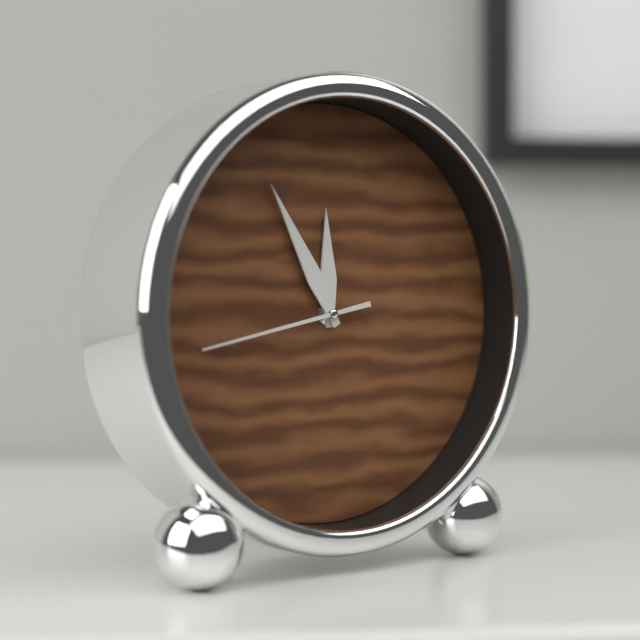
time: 11:55:43
